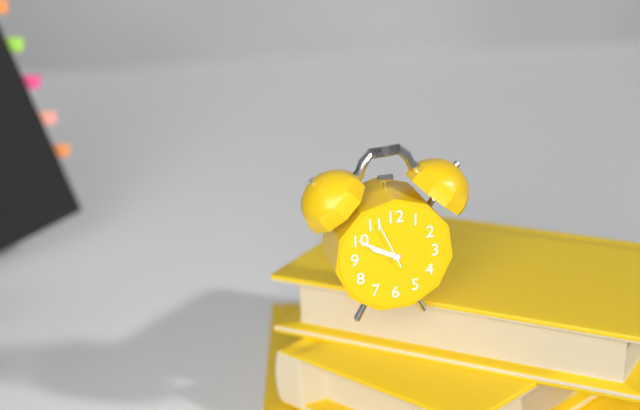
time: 9:50:56
